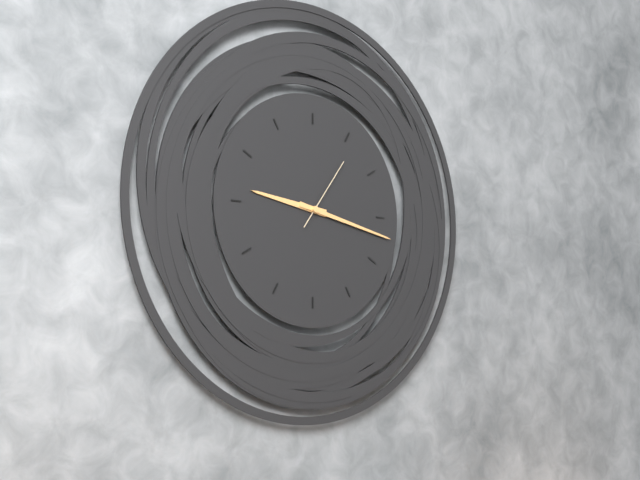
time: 9:17:06
